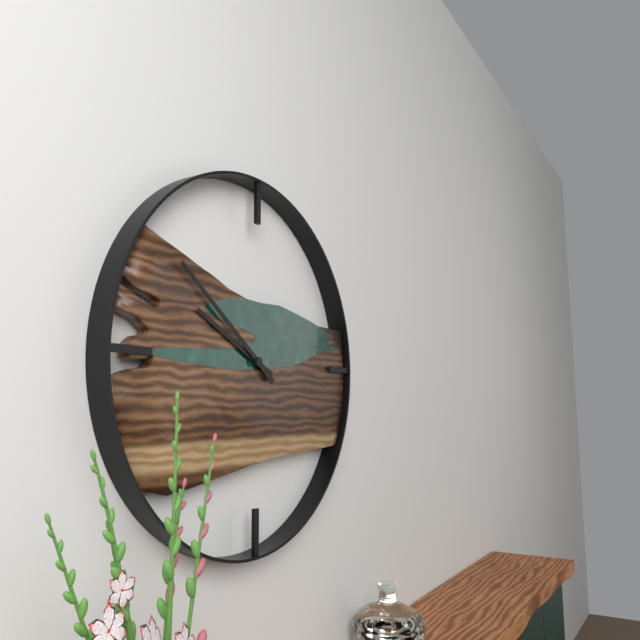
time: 9:51
